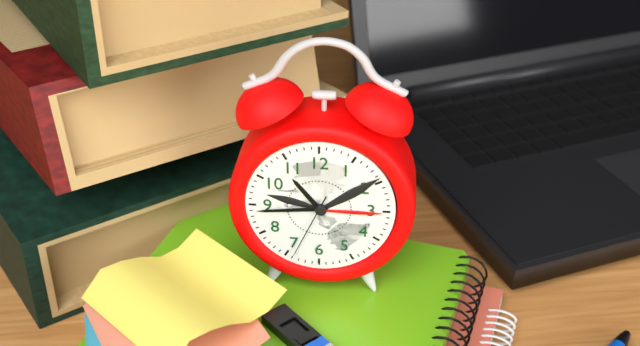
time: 10:44:34
